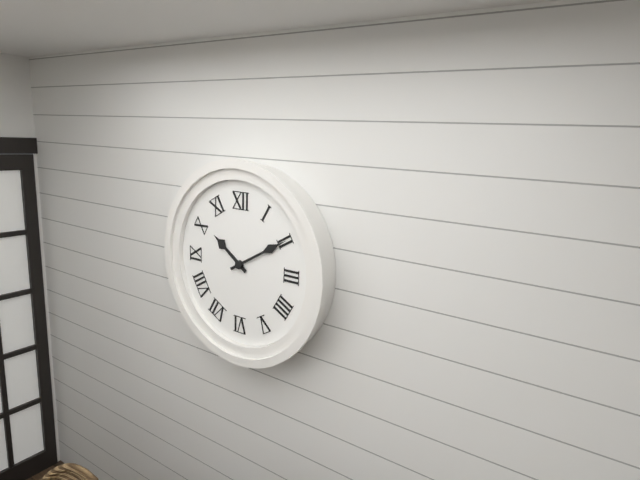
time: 10:10
